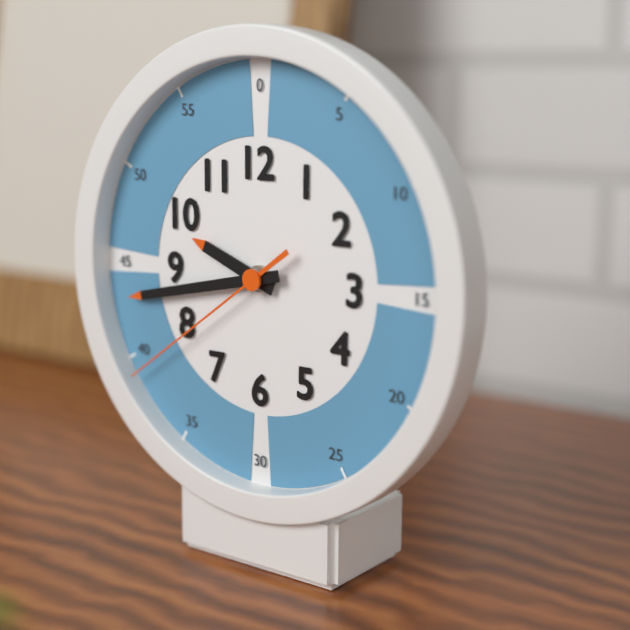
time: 9:43:39
